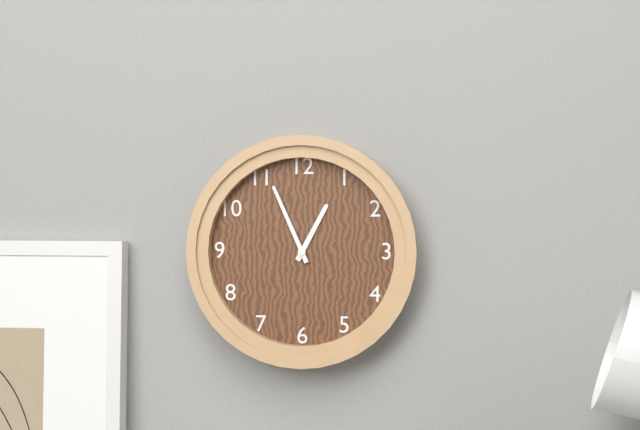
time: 12:56
